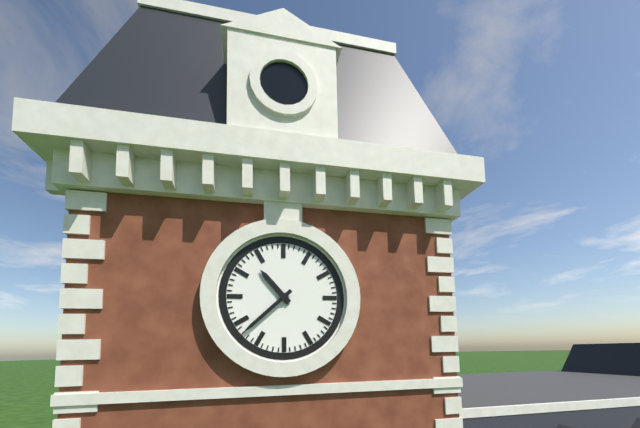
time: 10:38
